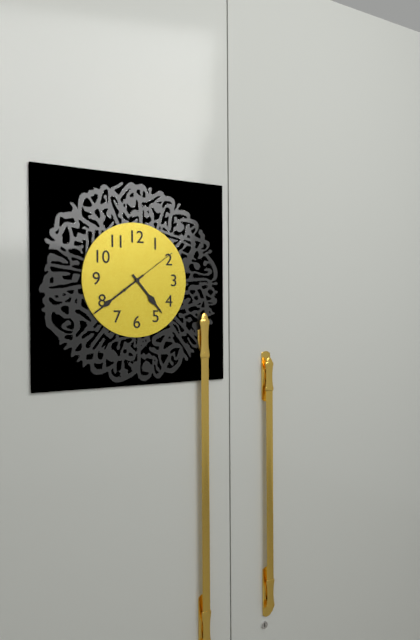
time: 4:39:09
